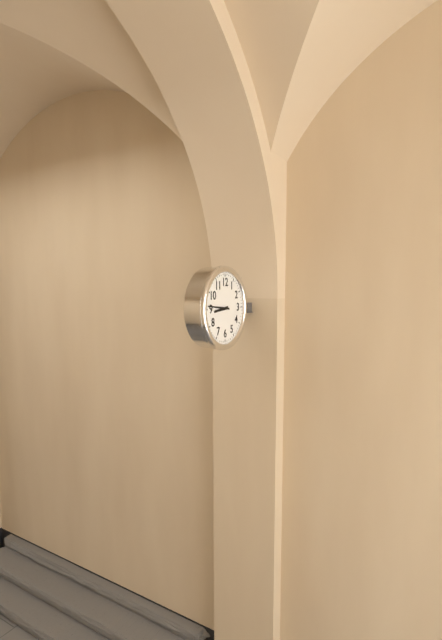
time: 8:46
